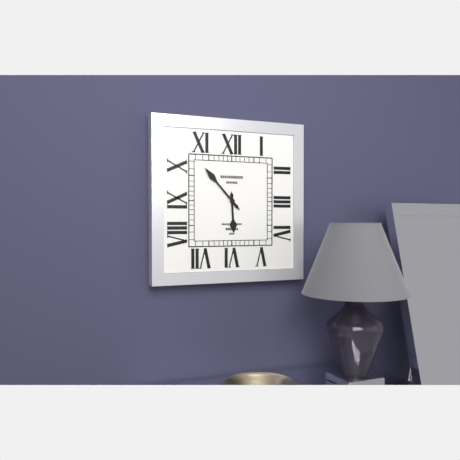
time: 5:53
